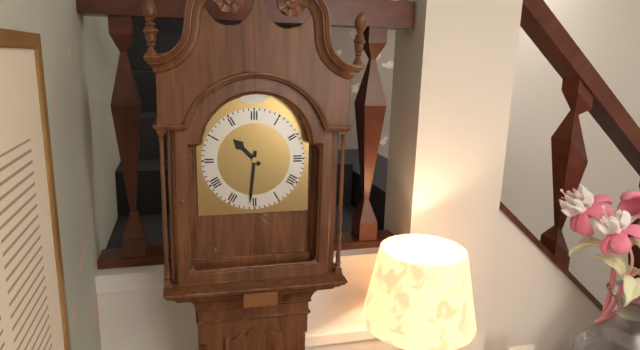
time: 10:31
